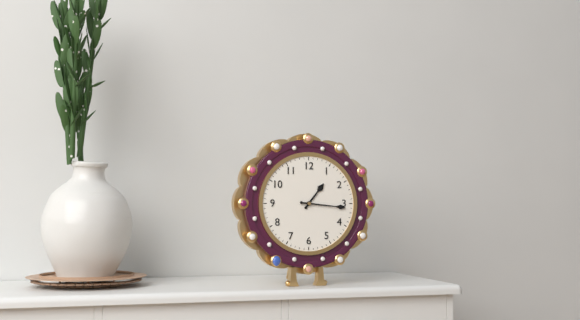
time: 1:16
